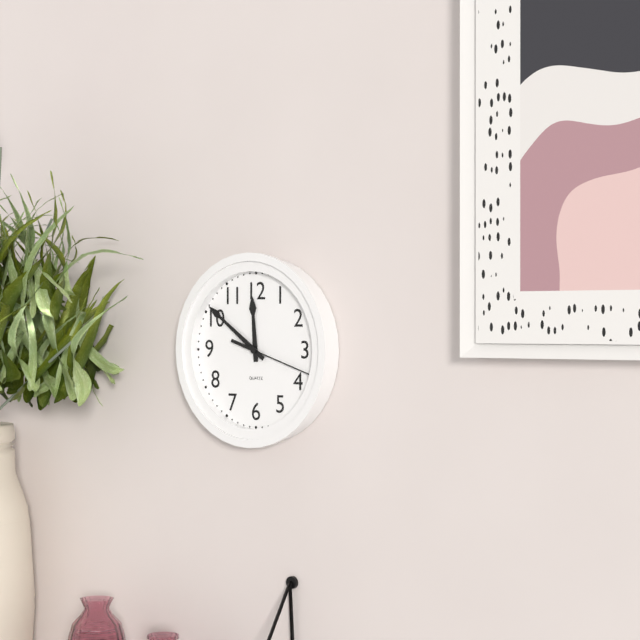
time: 11:51:18
